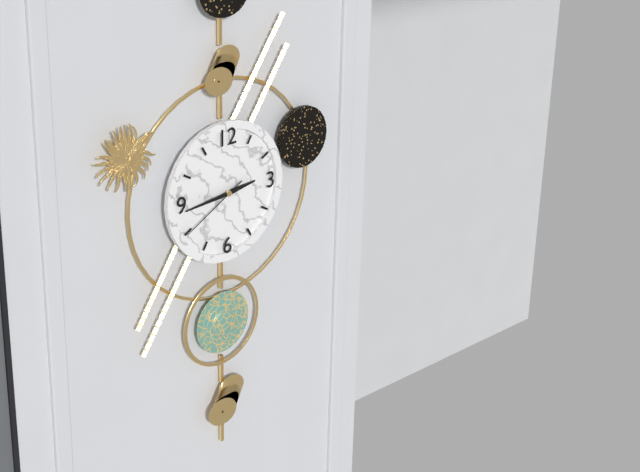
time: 2:44:40
